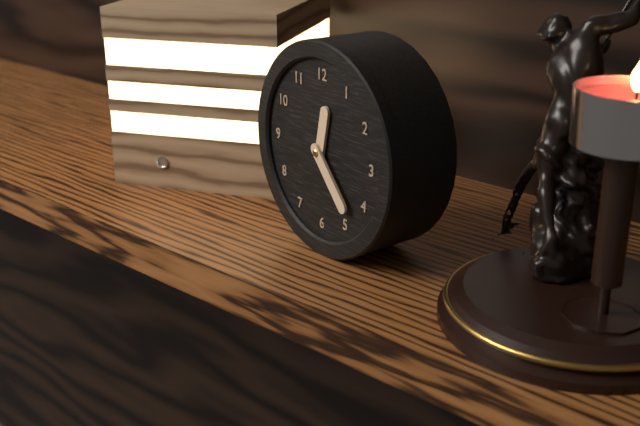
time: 12:23
